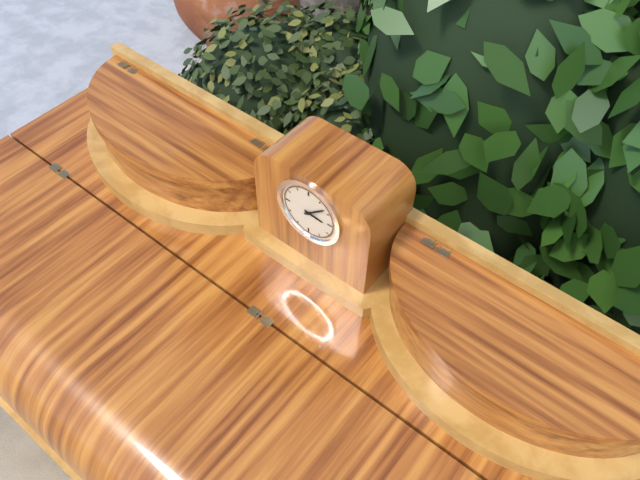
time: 3:08
